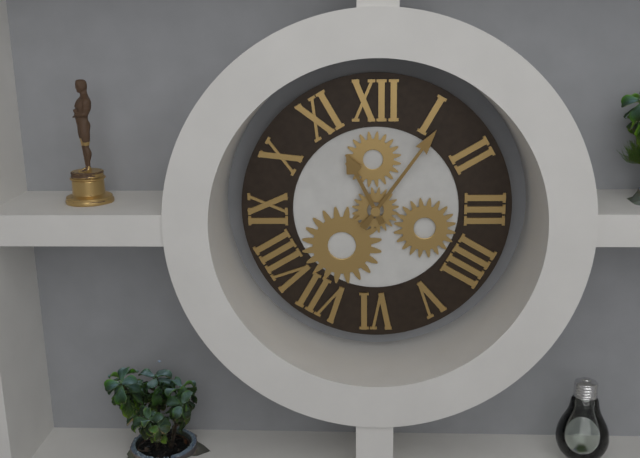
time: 11:06
